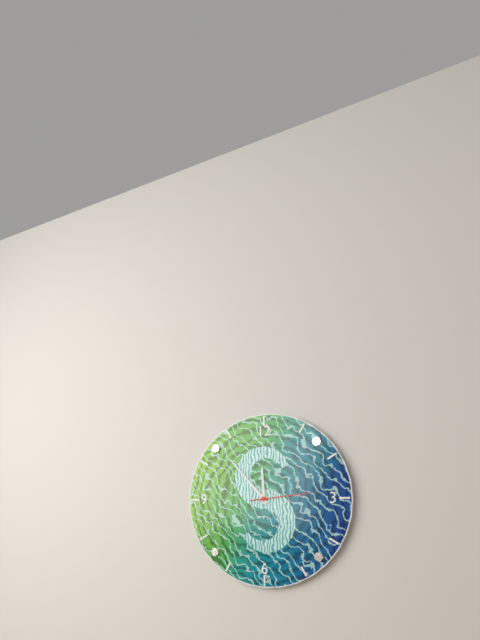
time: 11:53:14
